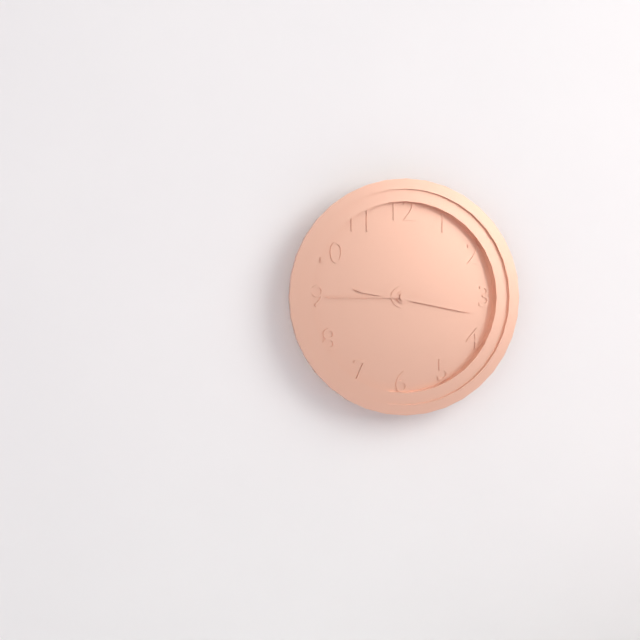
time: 9:17:45
